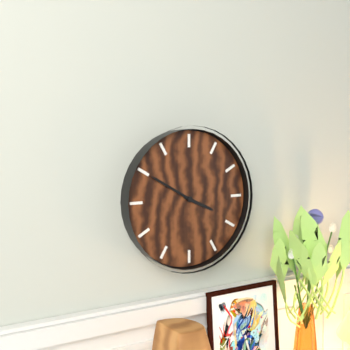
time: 3:50
